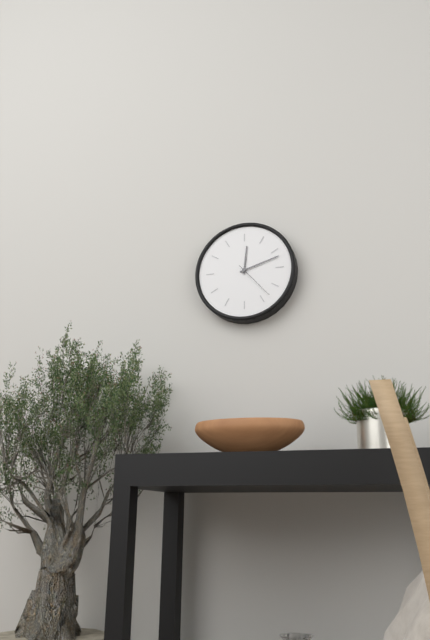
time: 12:12
